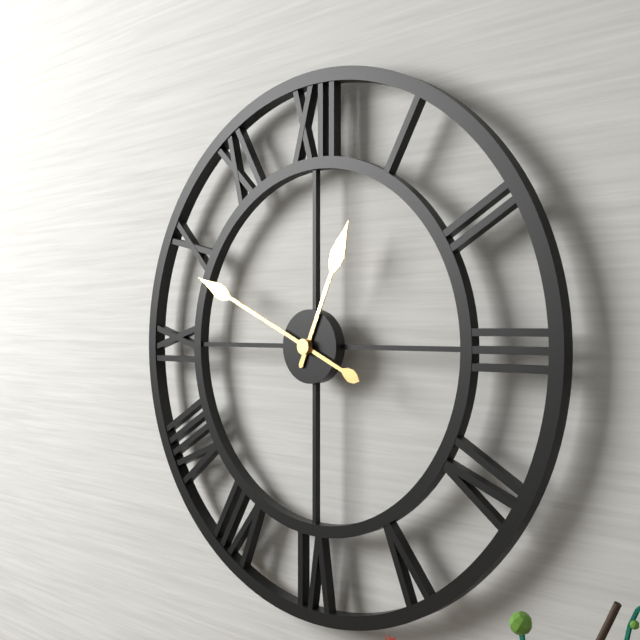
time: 12:49
